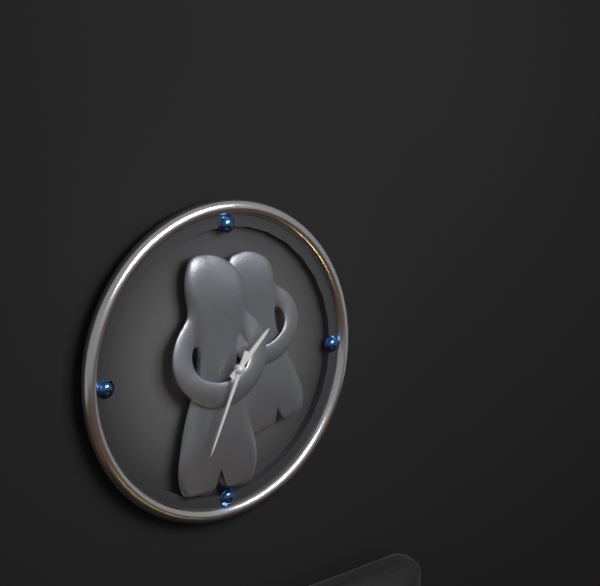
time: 1:34
